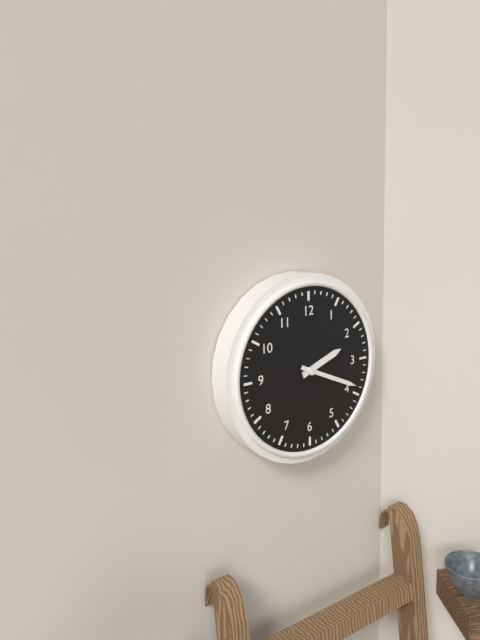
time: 2:19
